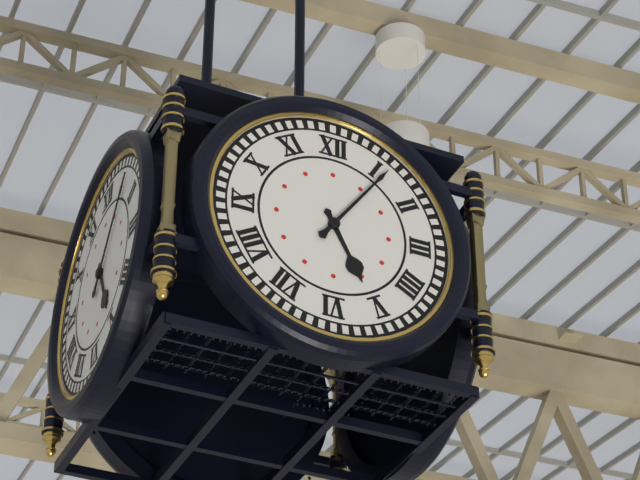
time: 5:06
